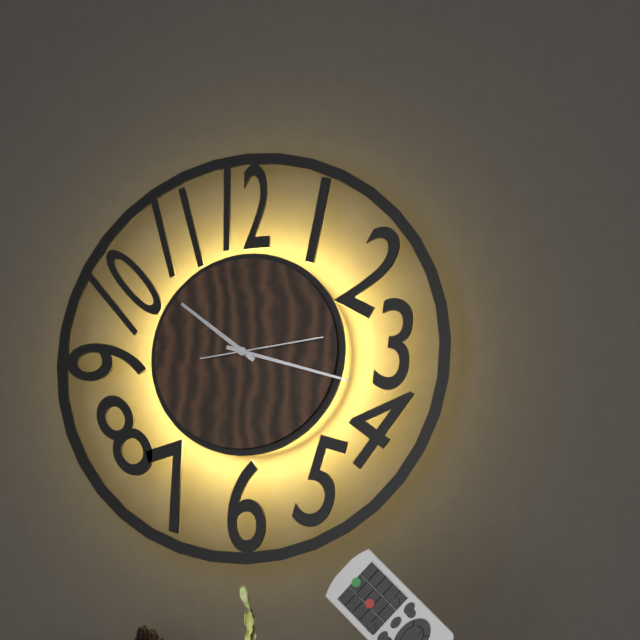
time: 10:18:14
